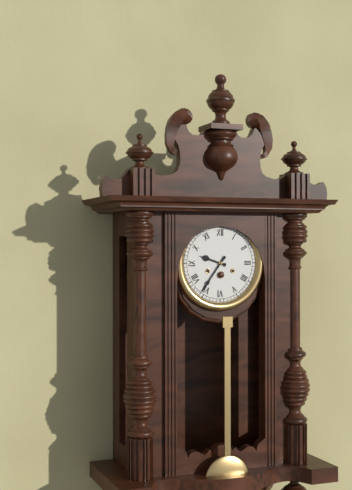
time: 9:36
